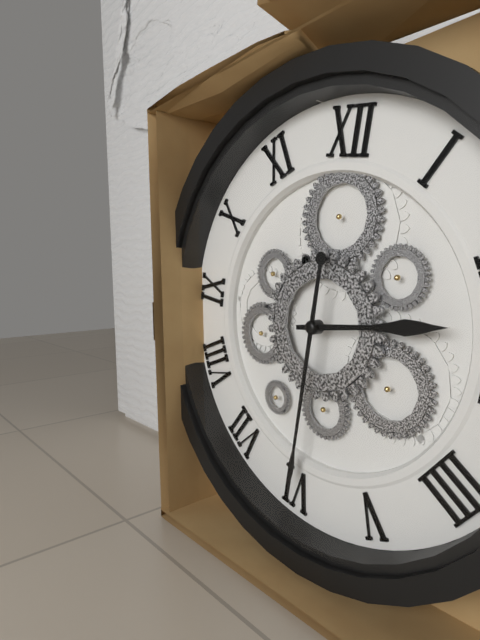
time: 2:30
